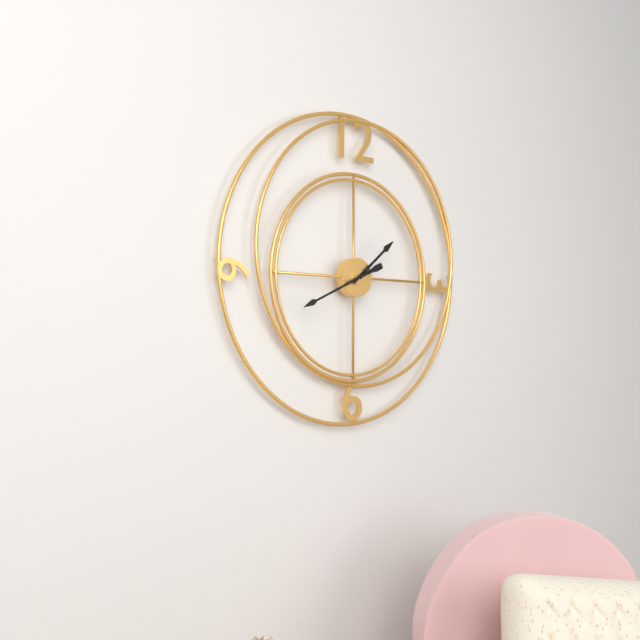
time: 1:41
